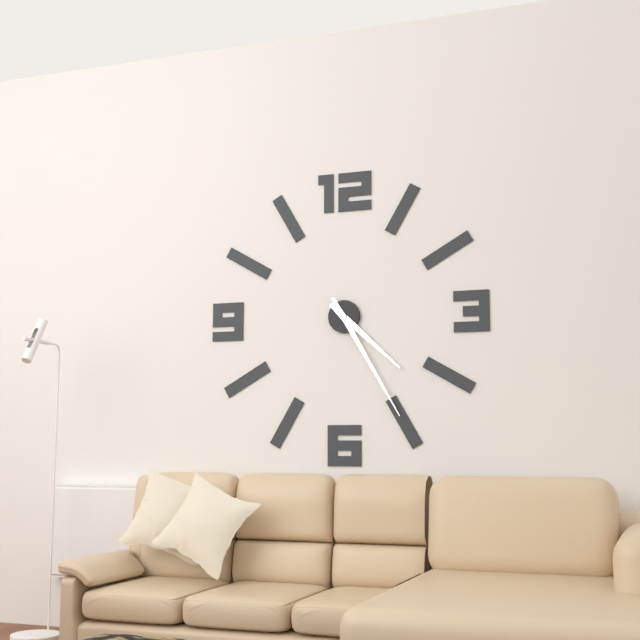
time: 4:25
